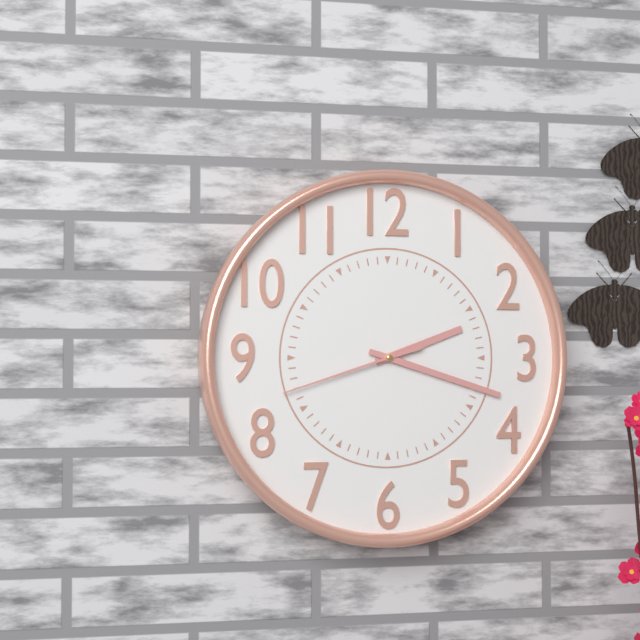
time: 2:18:42
